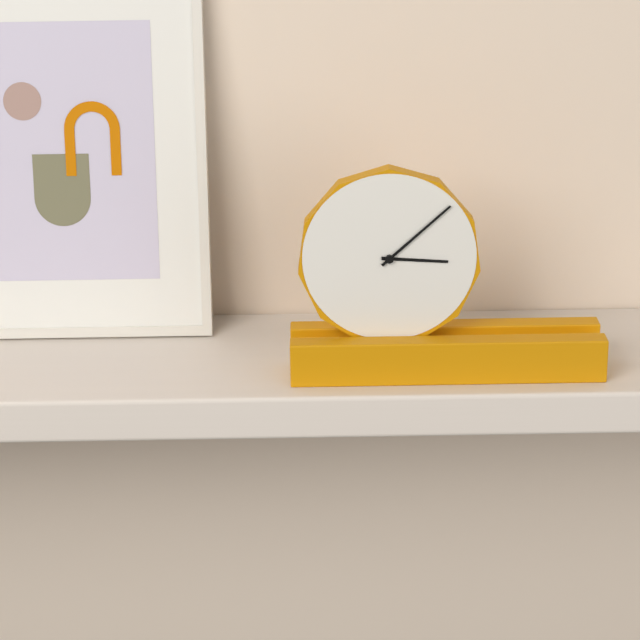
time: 3:08
